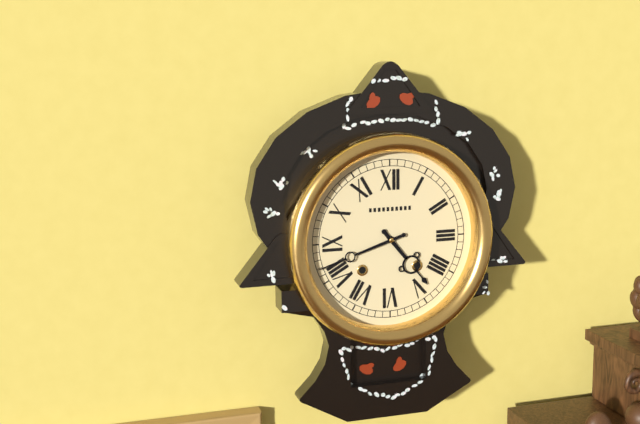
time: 4:42
